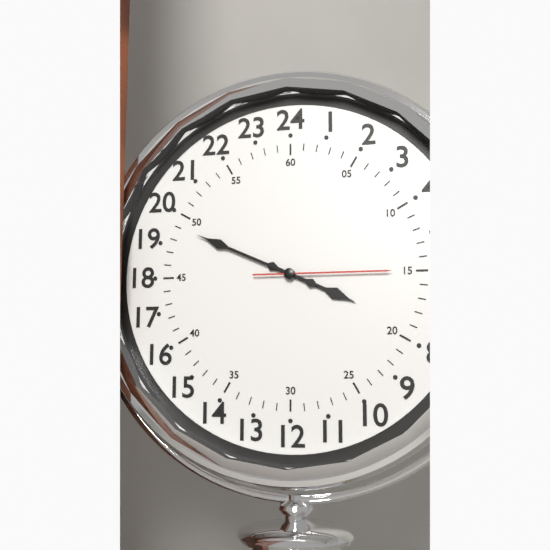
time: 3:49:15
